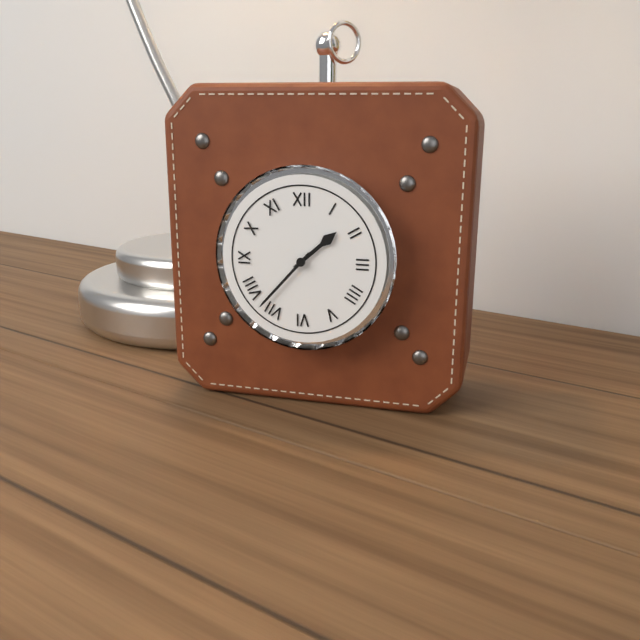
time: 1:37
